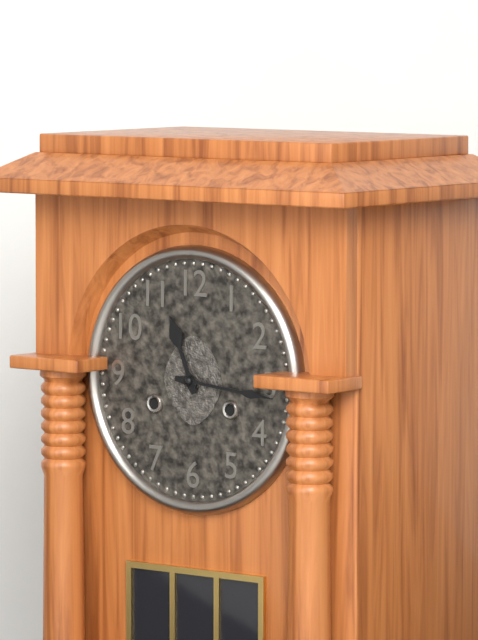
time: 11:16
